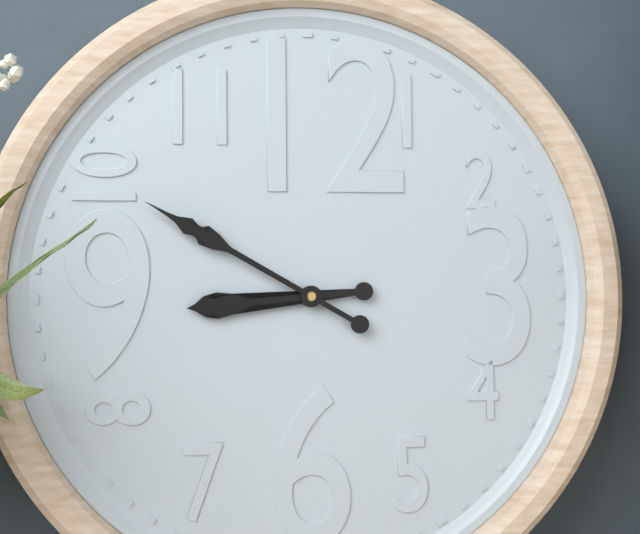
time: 8:50
